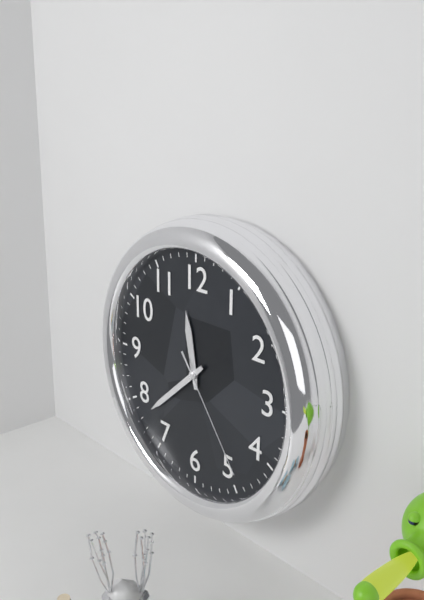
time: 11:38:24
